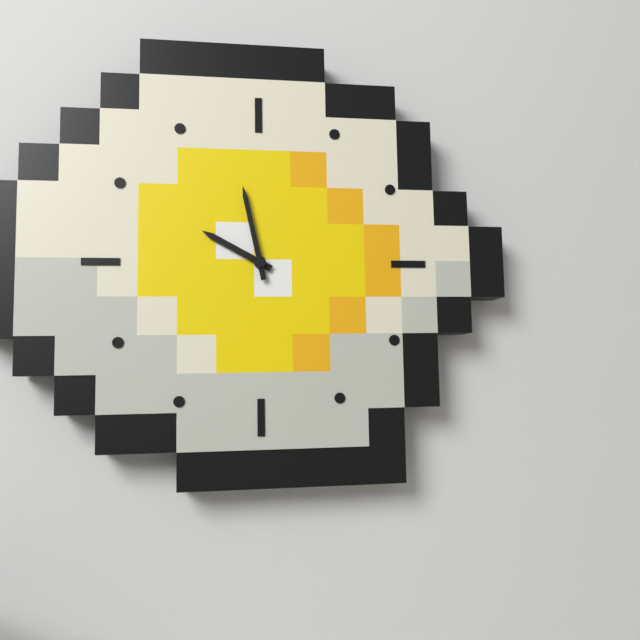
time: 9:58
